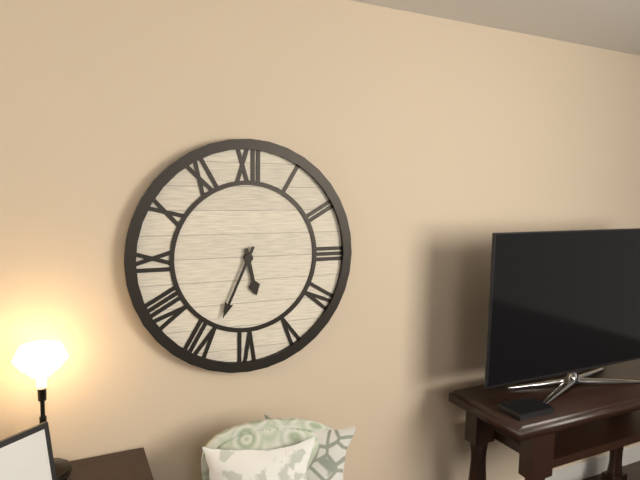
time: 5:34
